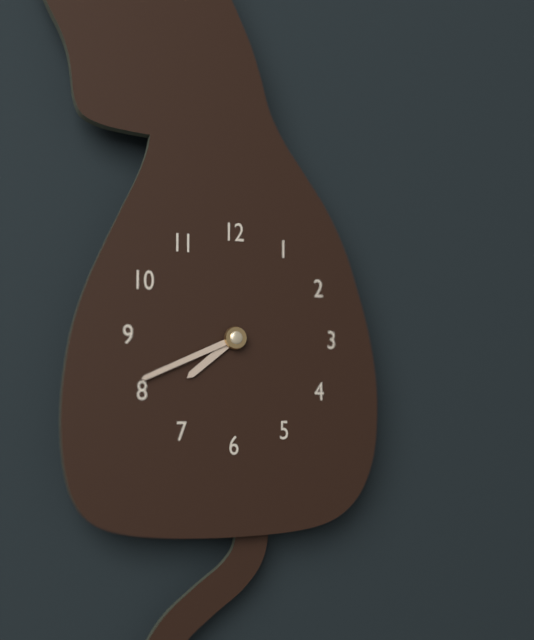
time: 7:41
